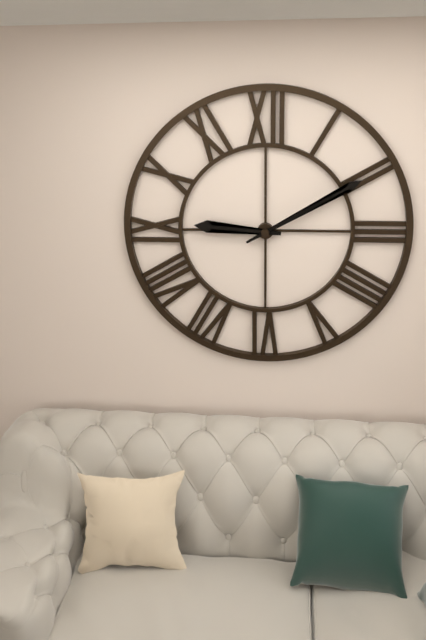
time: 9:10
